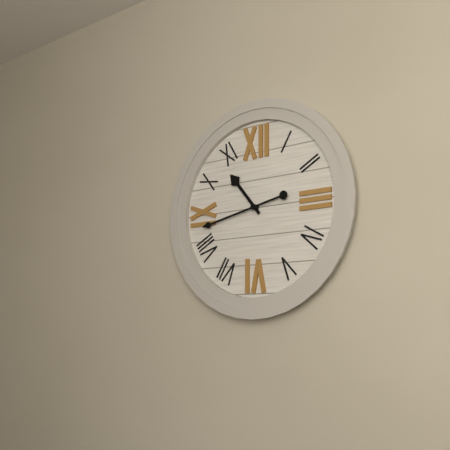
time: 10:43
